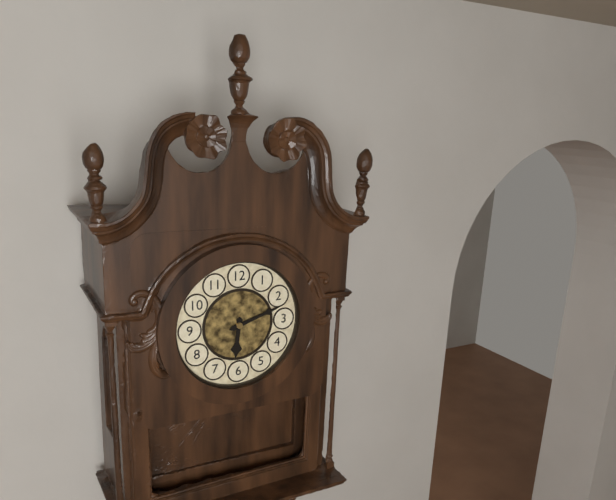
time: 6:12
